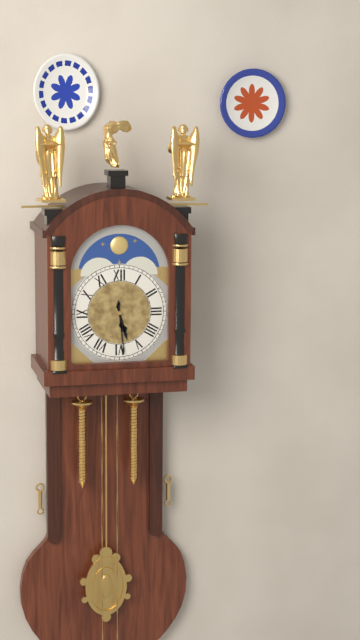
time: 5:29
